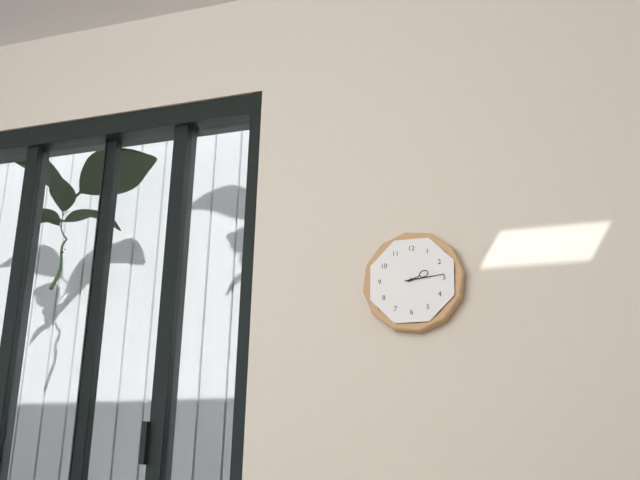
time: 2:14
